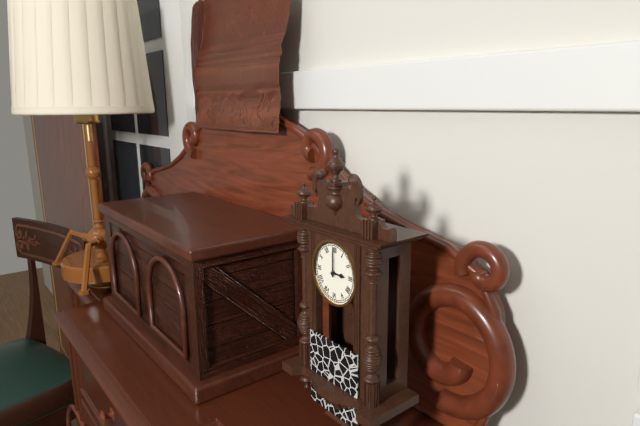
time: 3:00
